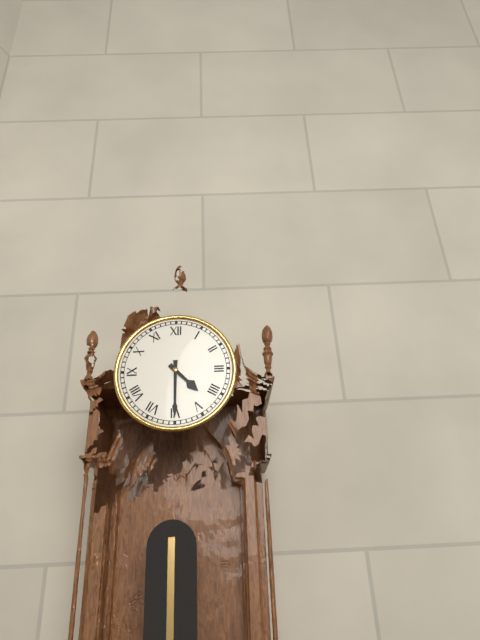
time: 4:30
